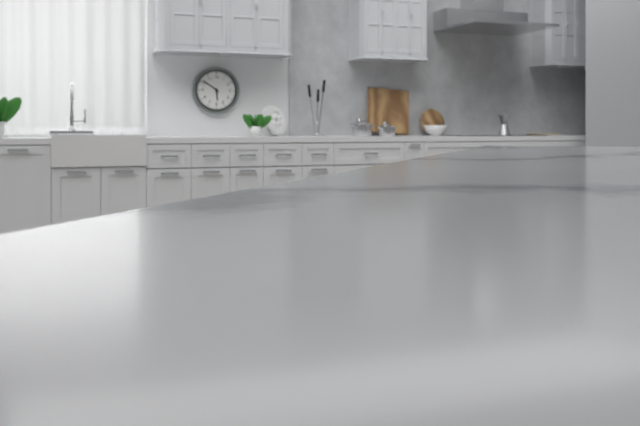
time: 5:51
